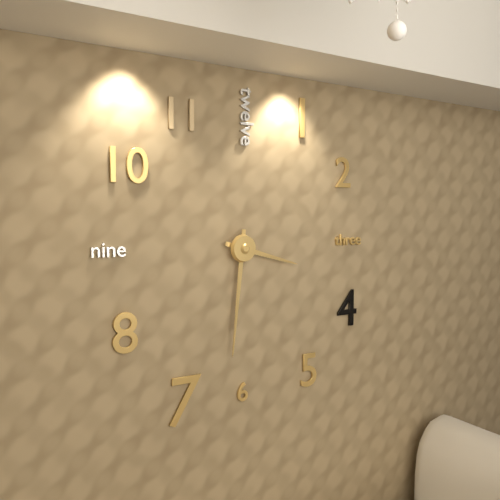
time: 3:31
